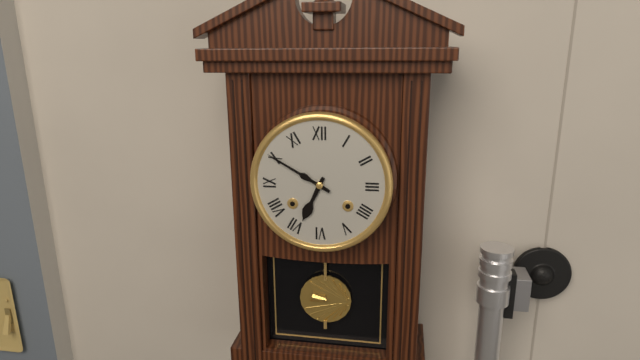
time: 6:50
